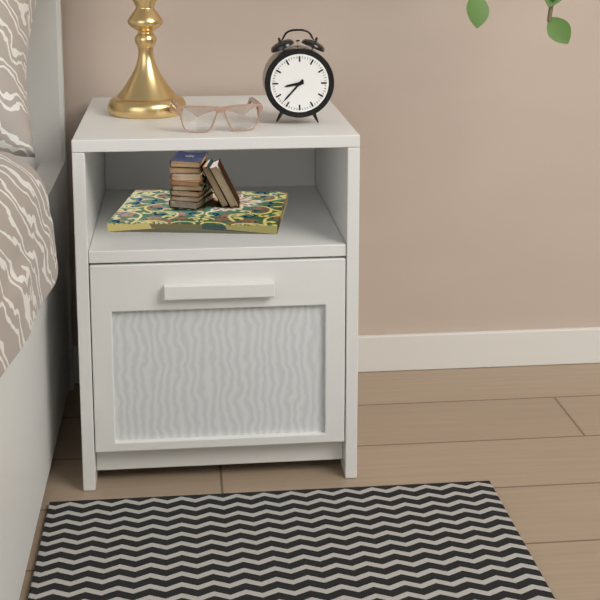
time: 8:37
